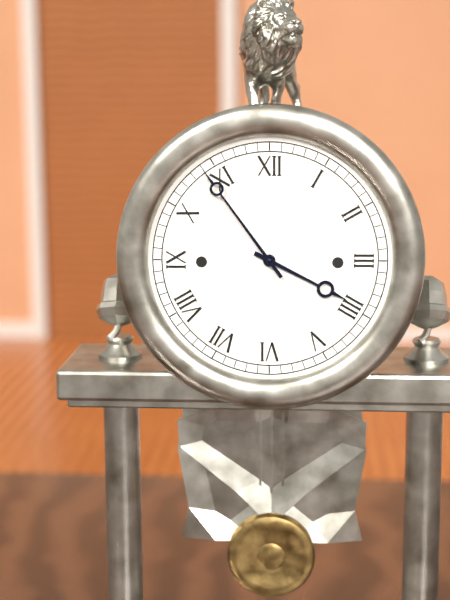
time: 3:54
